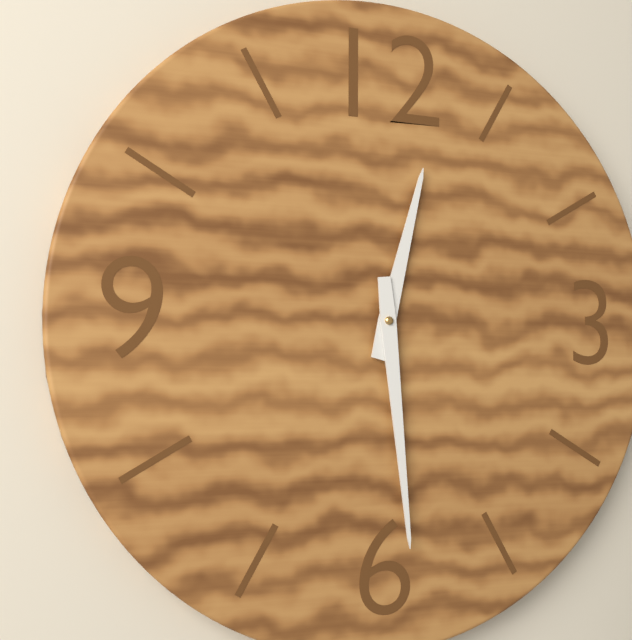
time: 12:29
